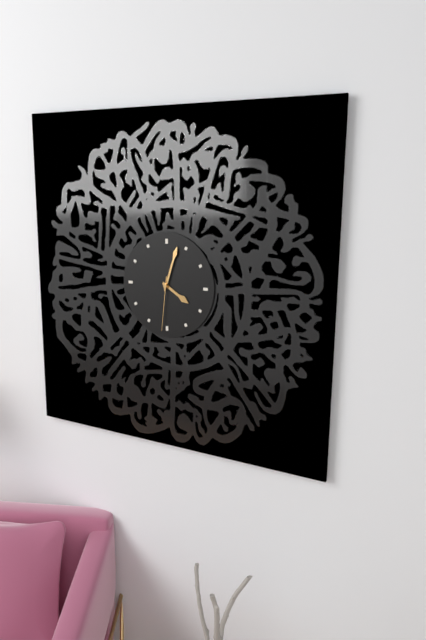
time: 4:03:31
